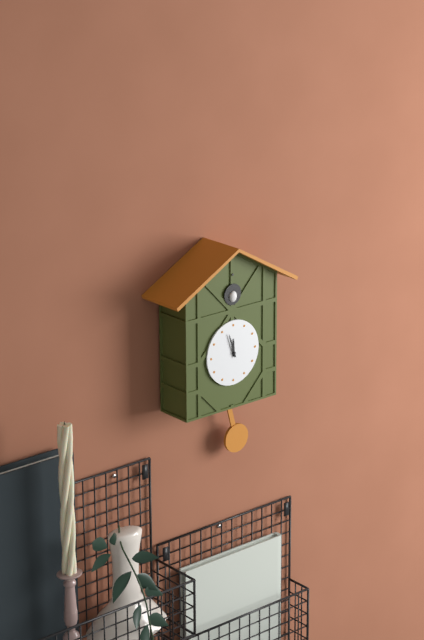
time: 11:57
